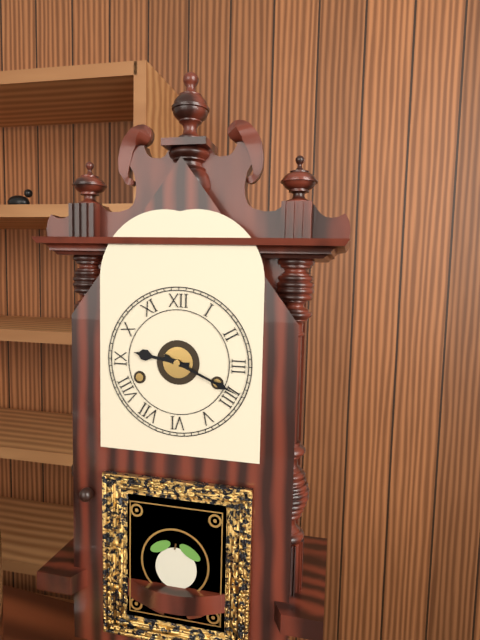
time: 9:19
